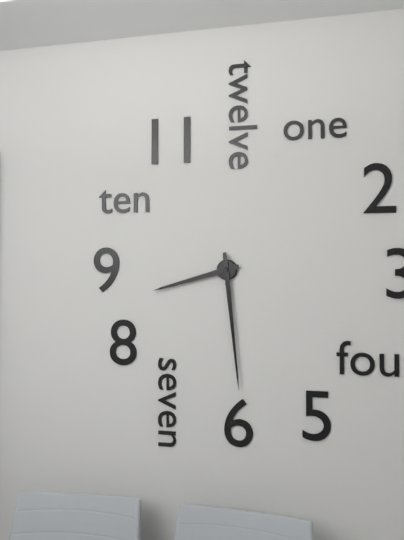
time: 8:29
